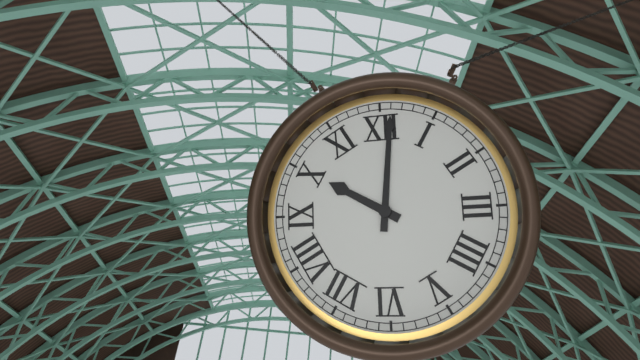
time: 10:01
